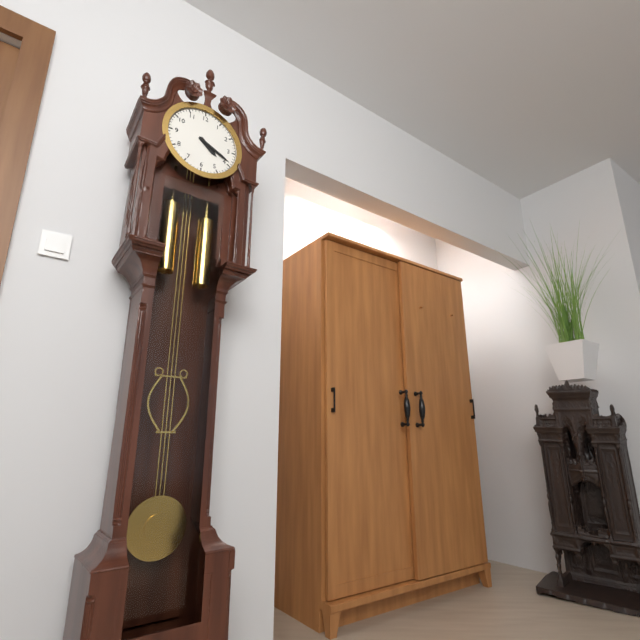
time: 4:19
